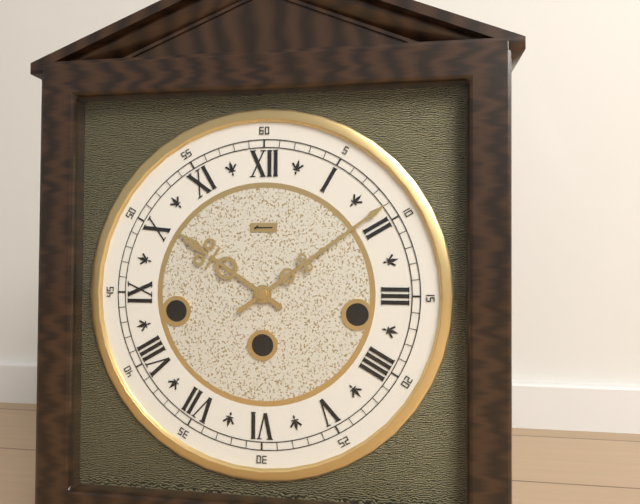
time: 10:09
